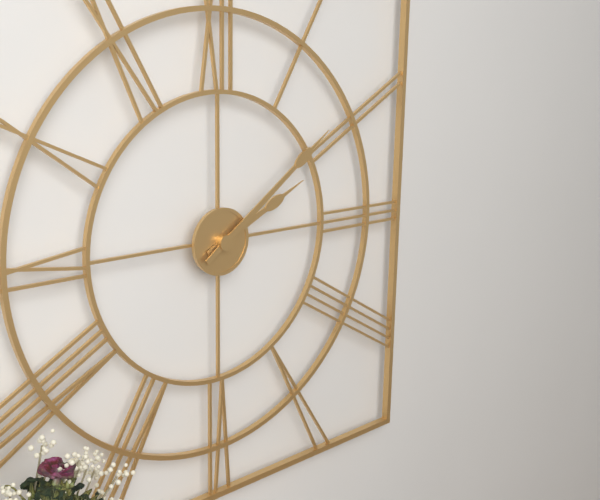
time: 2:09
